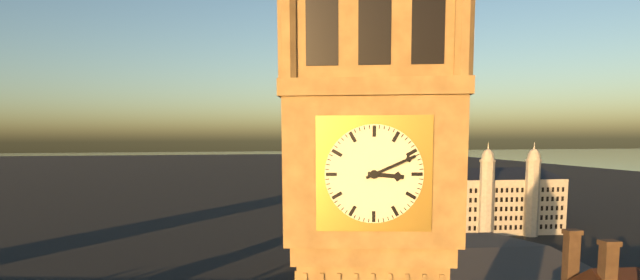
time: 3:11
